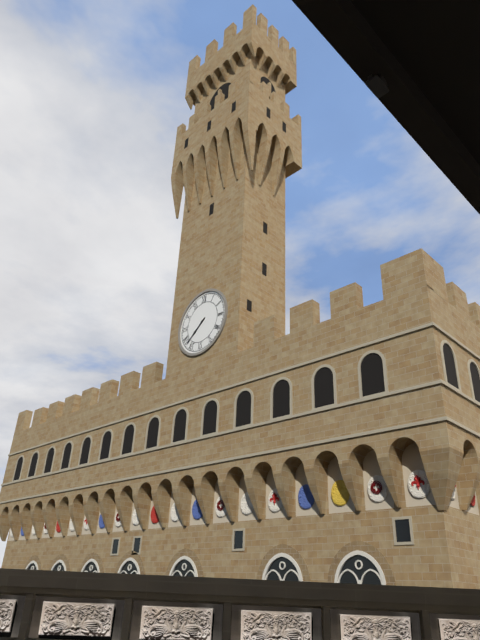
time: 7:38
